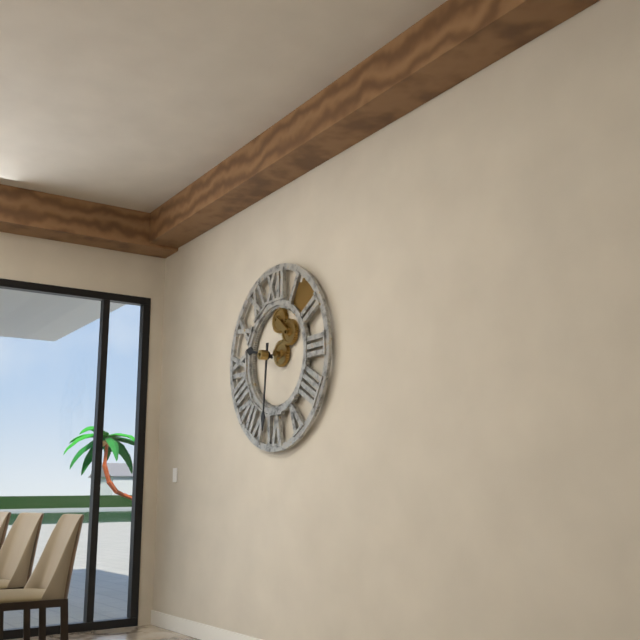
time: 9:31
